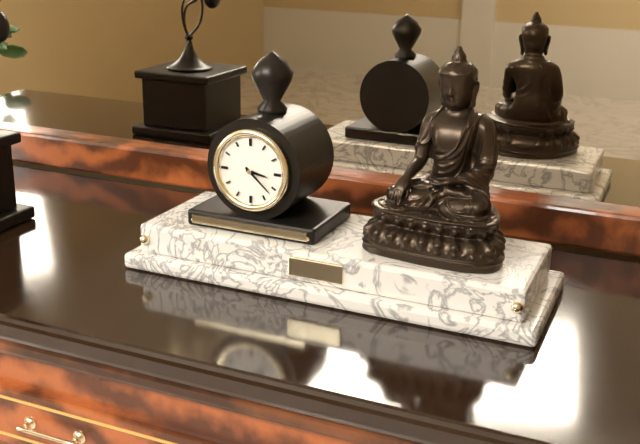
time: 3:22
